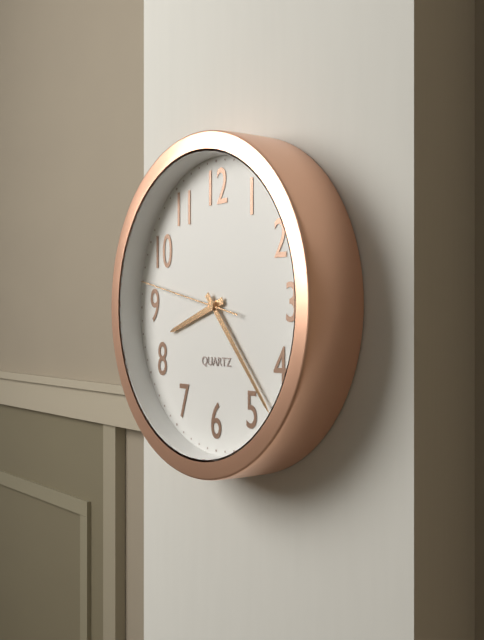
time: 8:23:47
